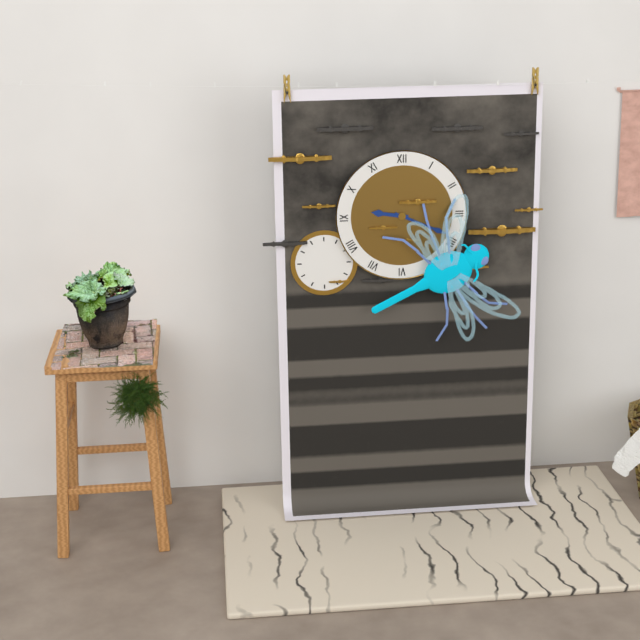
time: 9:19
